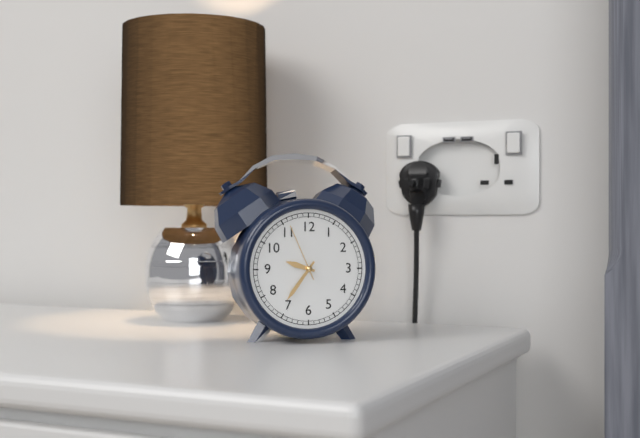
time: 9:36:56
